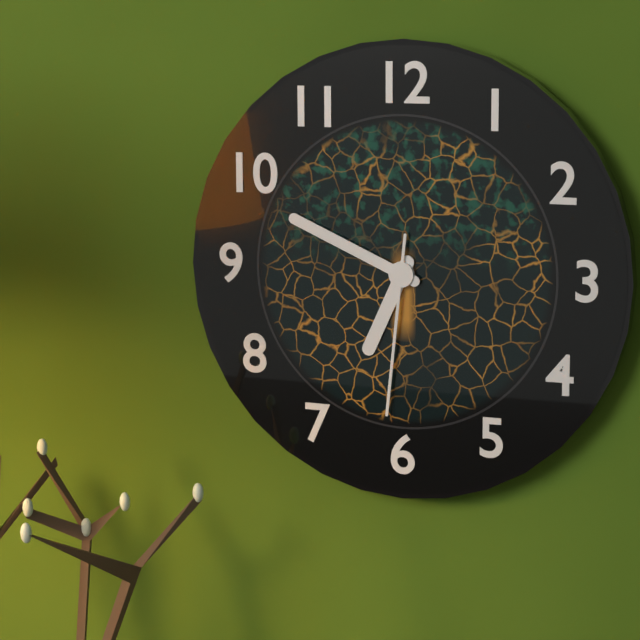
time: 6:49:31
